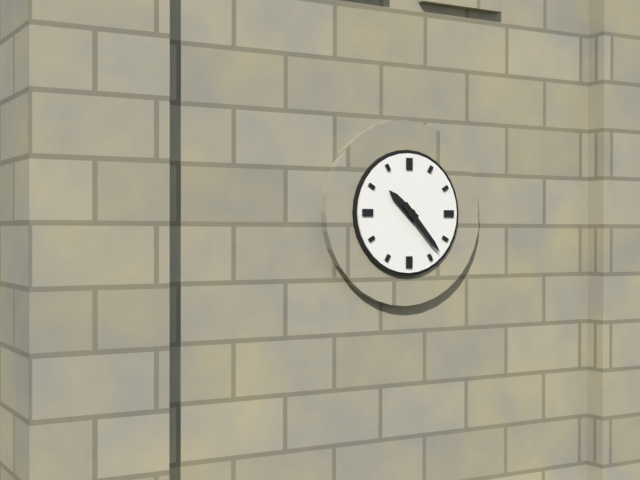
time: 10:23
